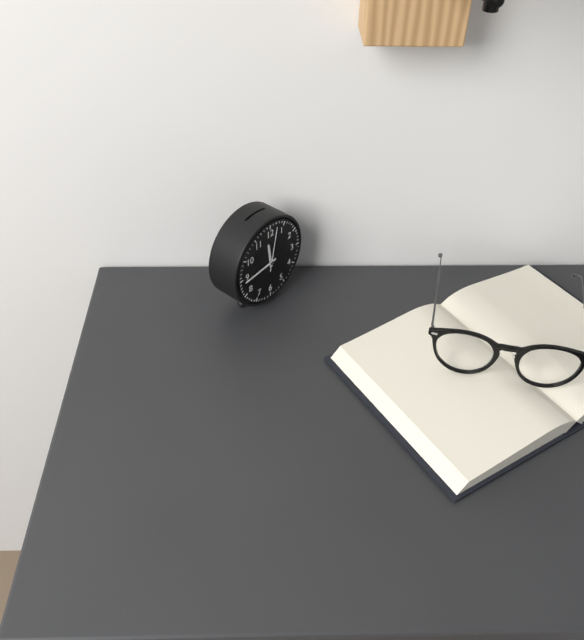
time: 11:44
